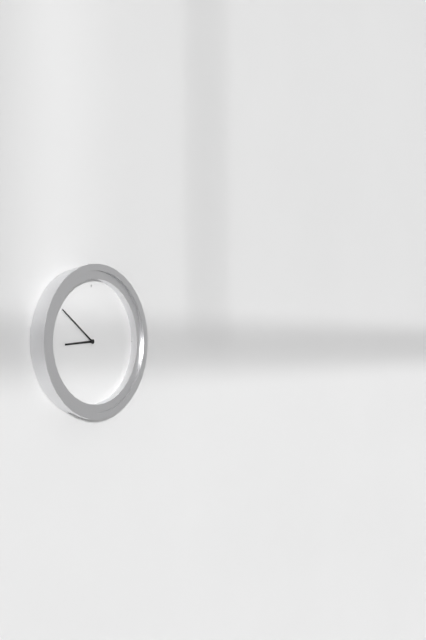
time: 8:51
